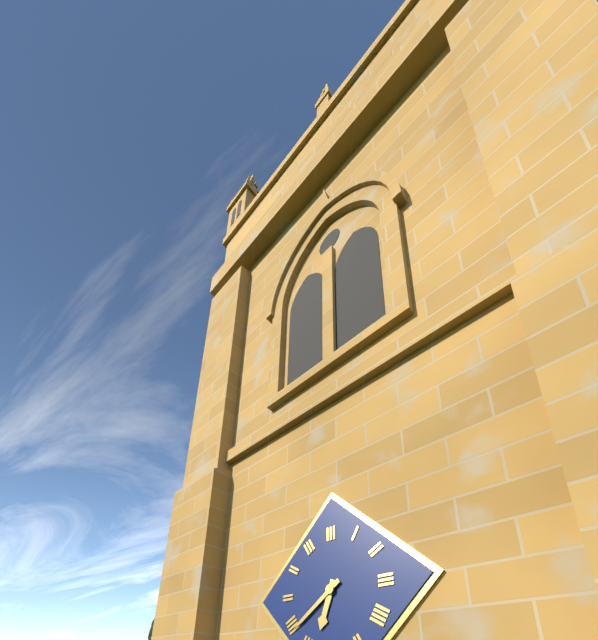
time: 6:39
